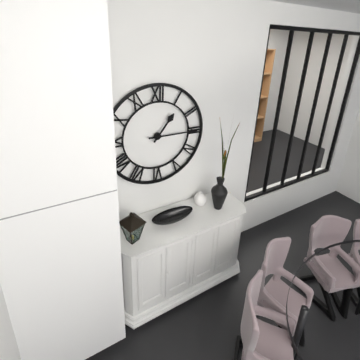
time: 1:15
